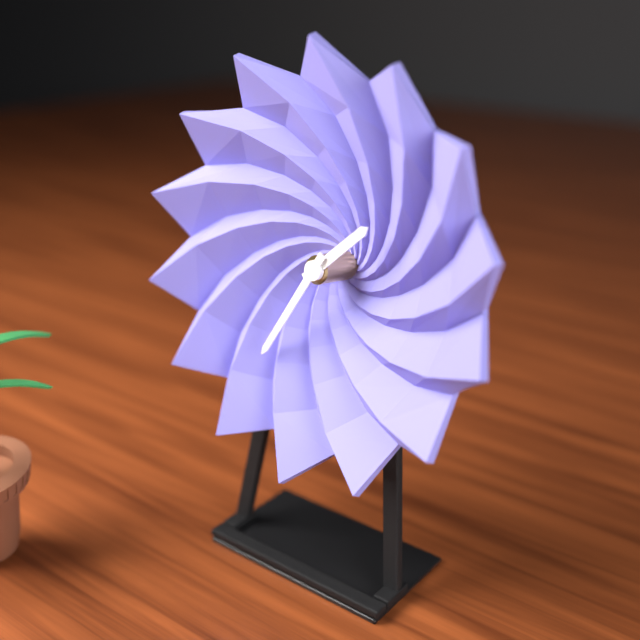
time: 1:35
